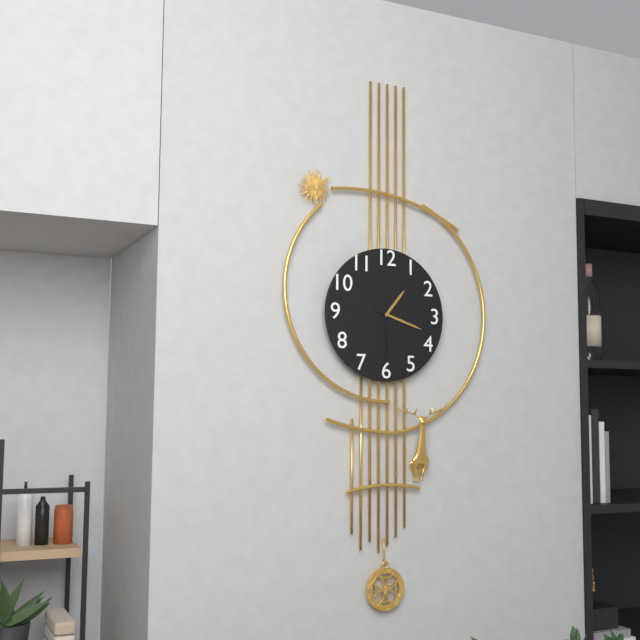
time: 1:18:30
